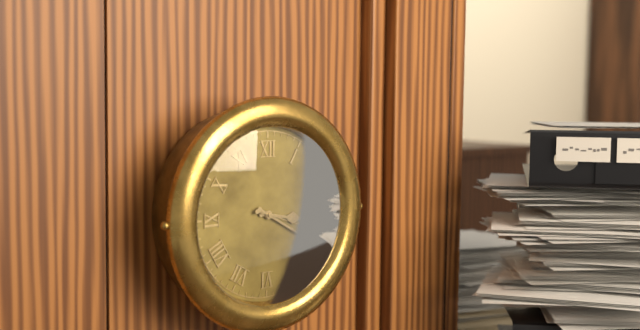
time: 3:20:18
